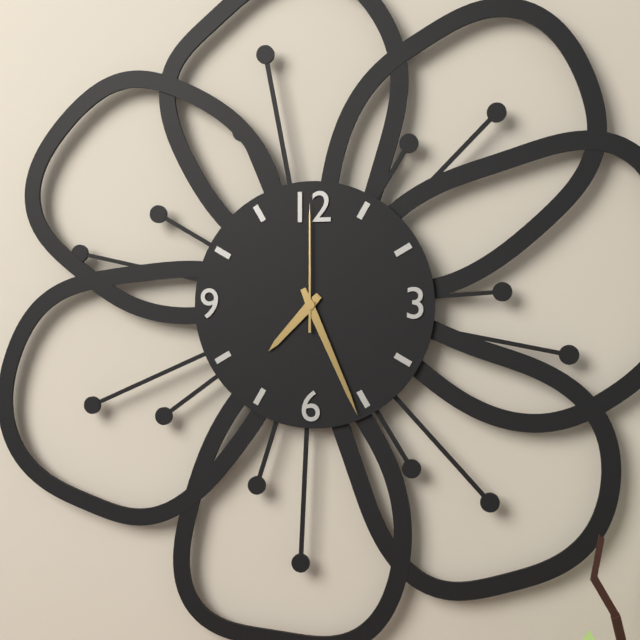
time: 7:26:00
